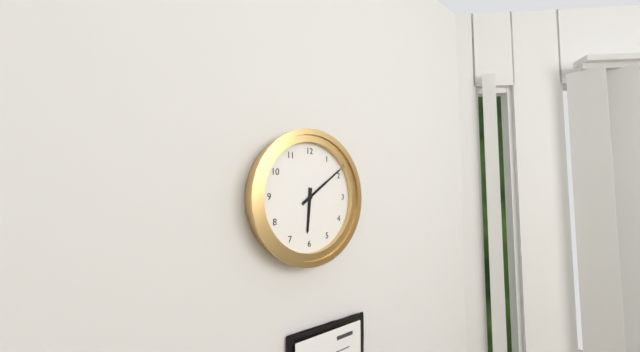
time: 6:09
